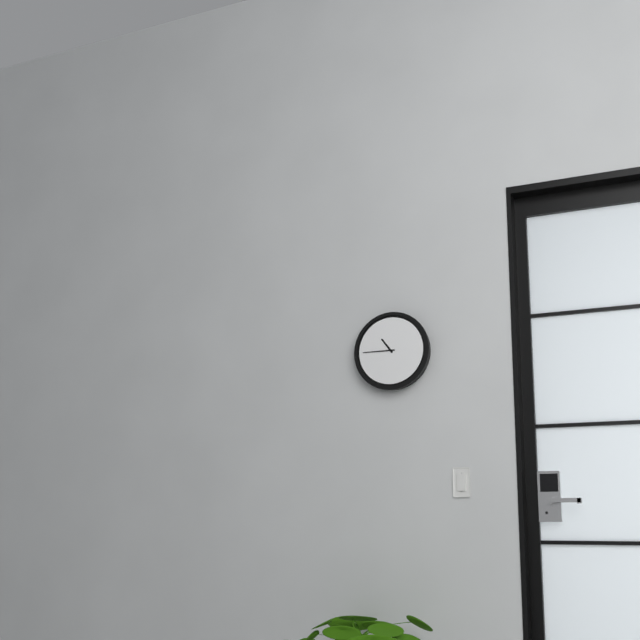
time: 10:45
